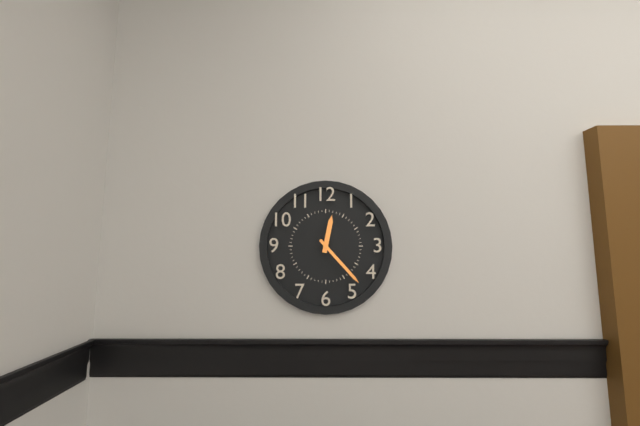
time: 12:23
